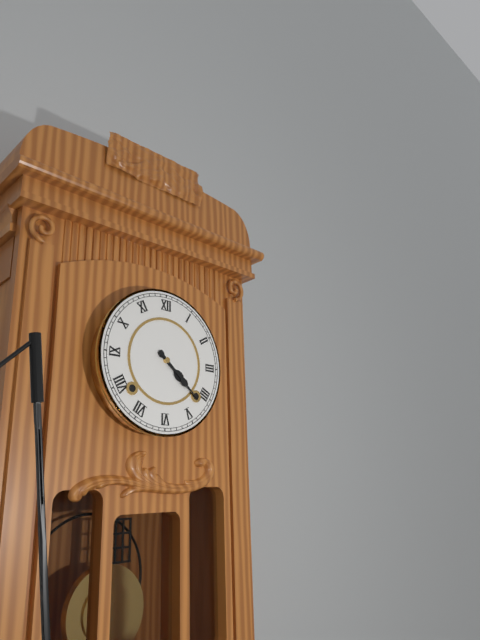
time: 4:22
